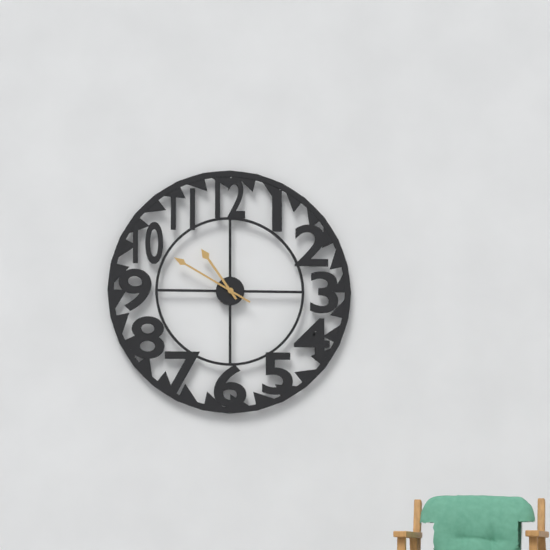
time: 10:50
